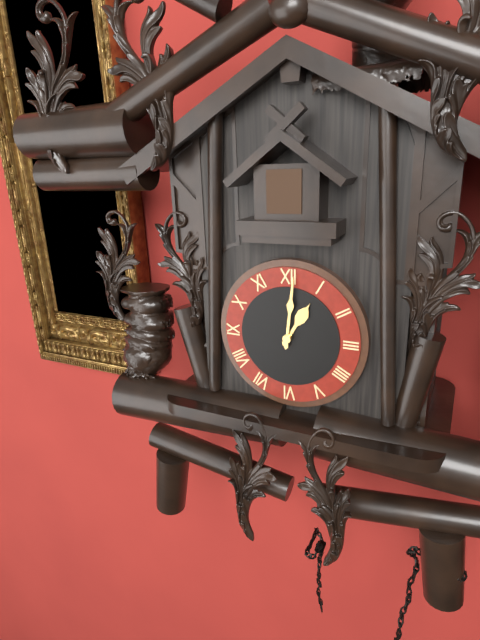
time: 1:01
